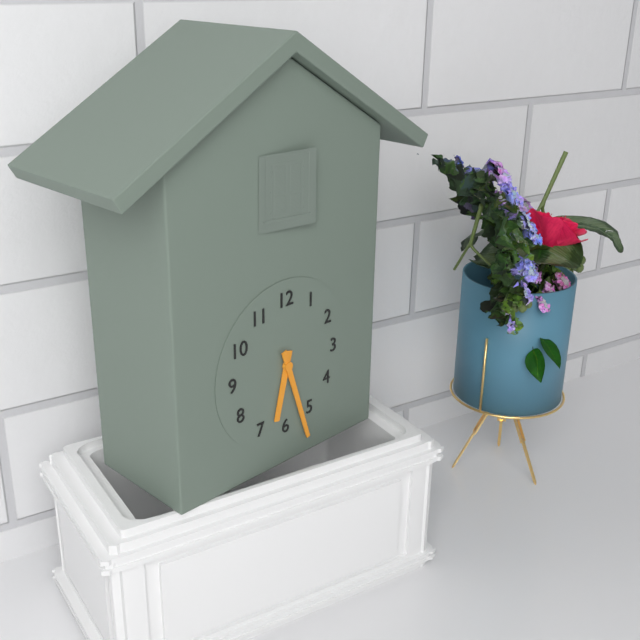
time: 6:27
